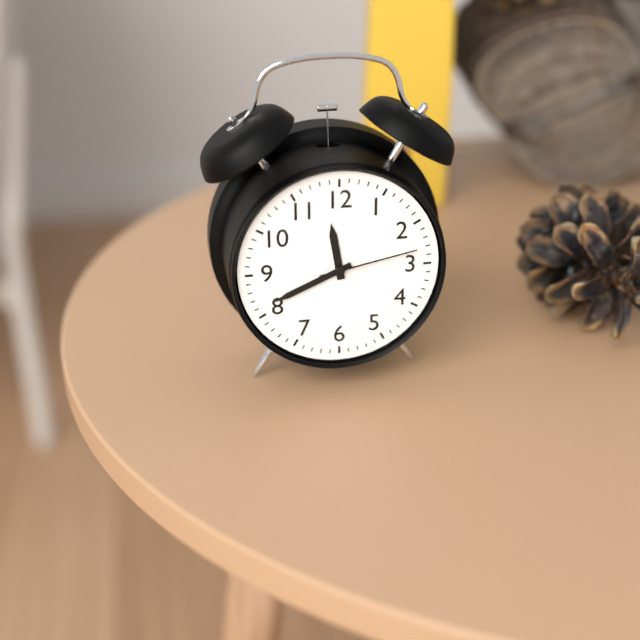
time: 11:41:13
